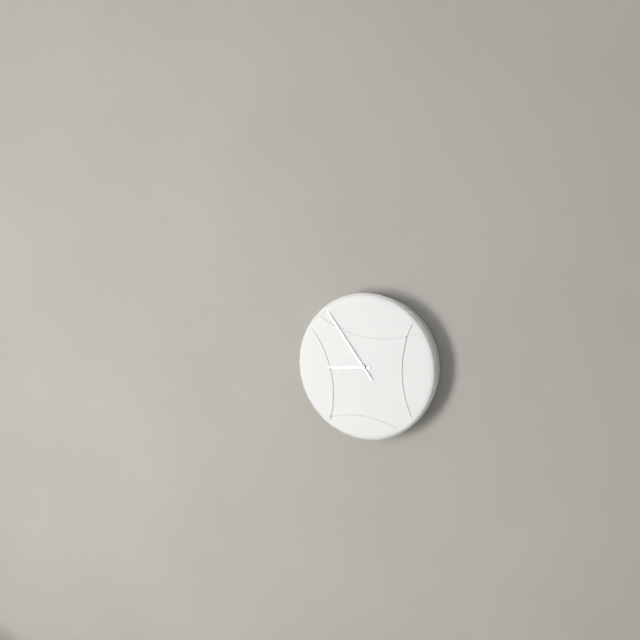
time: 8:54
